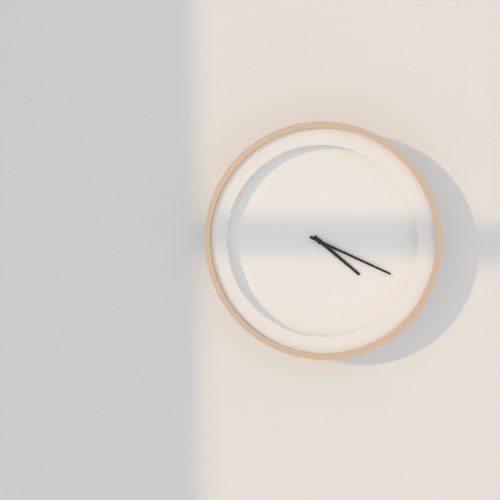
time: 4:19
